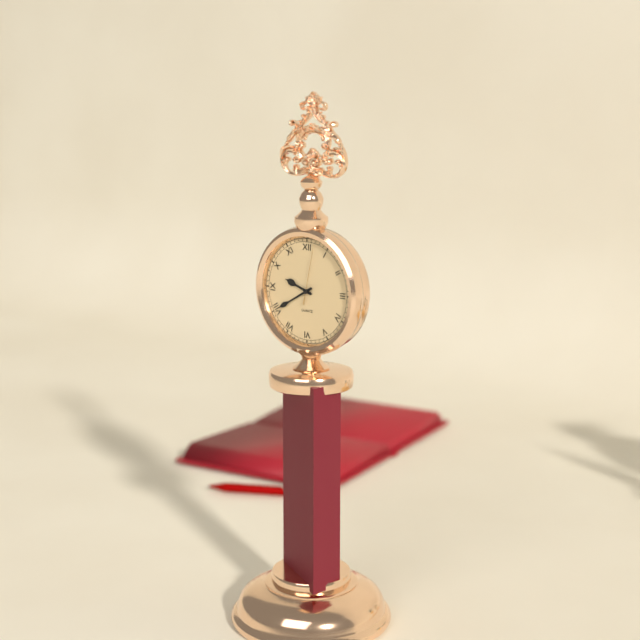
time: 9:40:02
